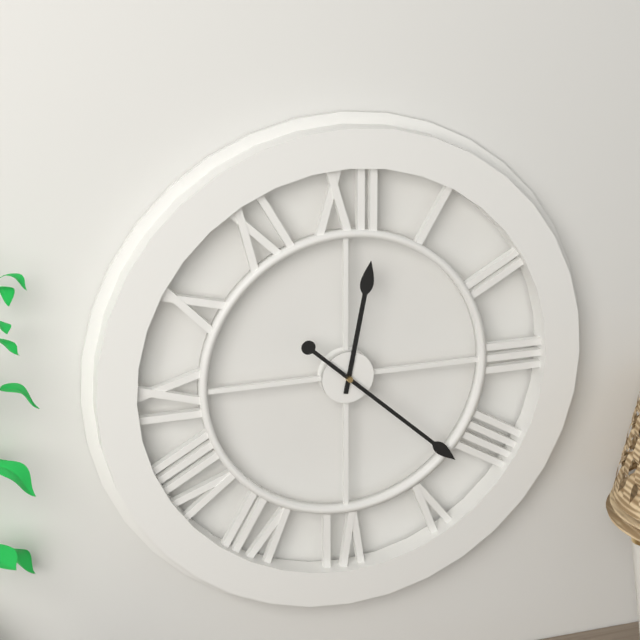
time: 12:22
